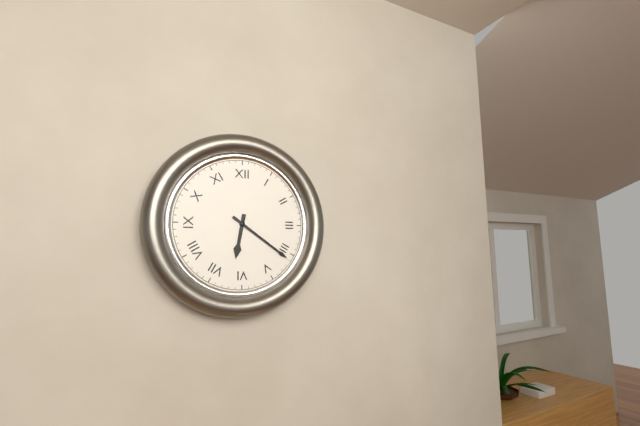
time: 6:21
